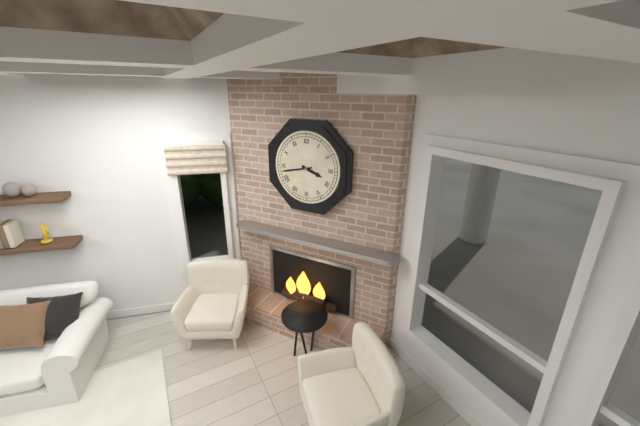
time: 3:43
